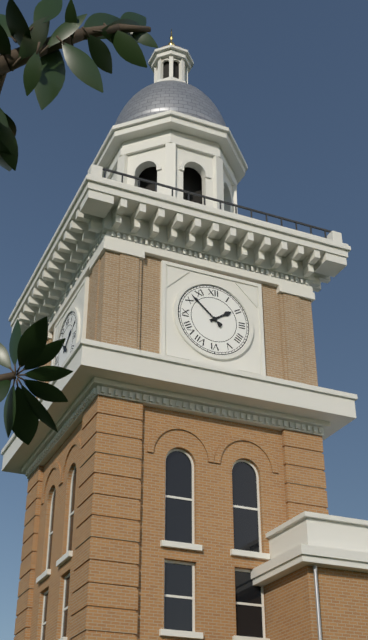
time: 1:52
